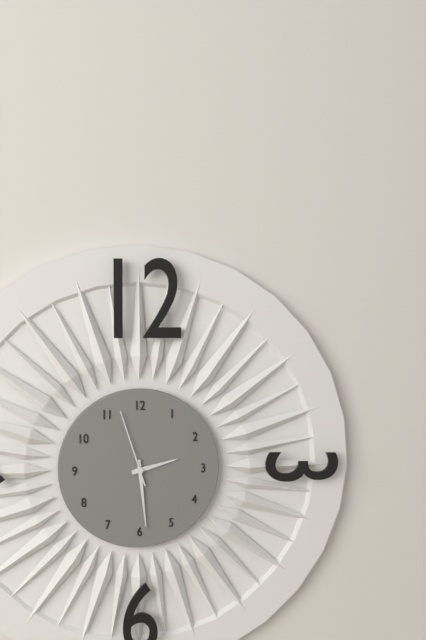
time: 2:29:57
